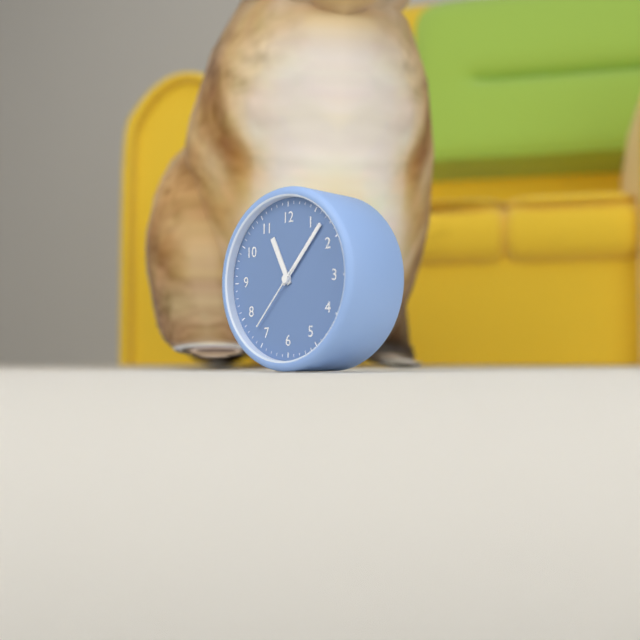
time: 11:07:37
